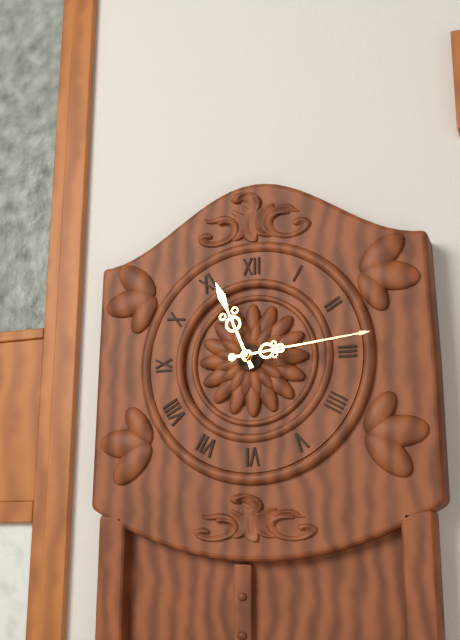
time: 11:14
